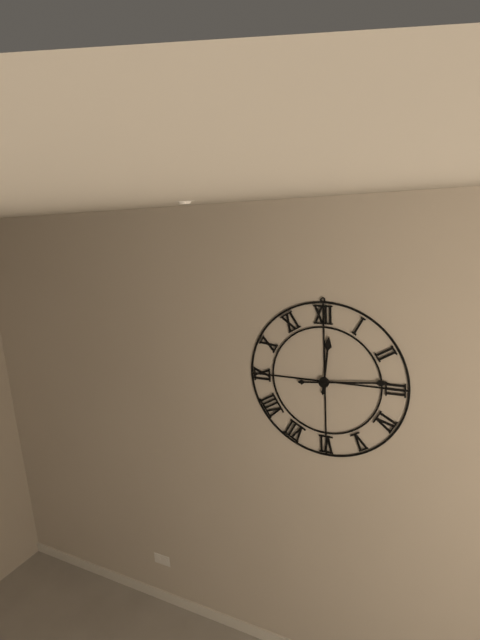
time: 12:14
